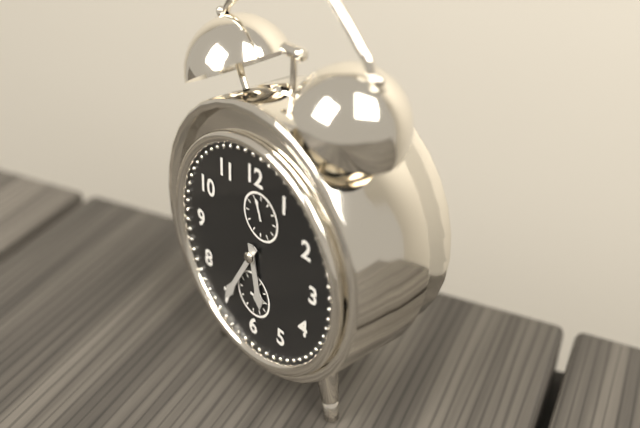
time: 5:35
